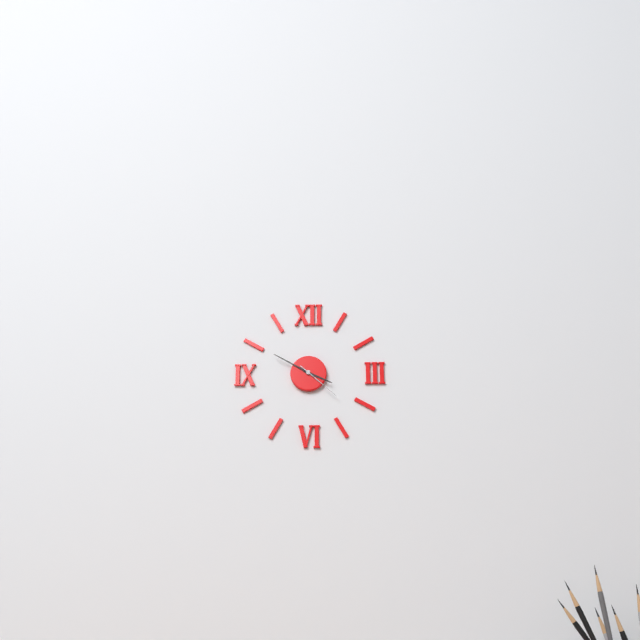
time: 3:50
